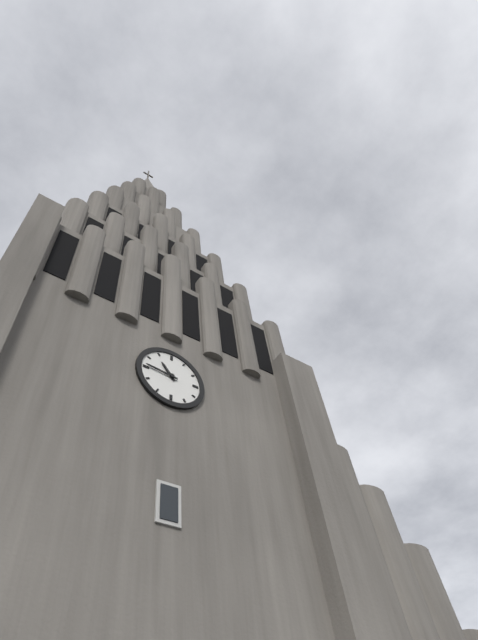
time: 10:46
